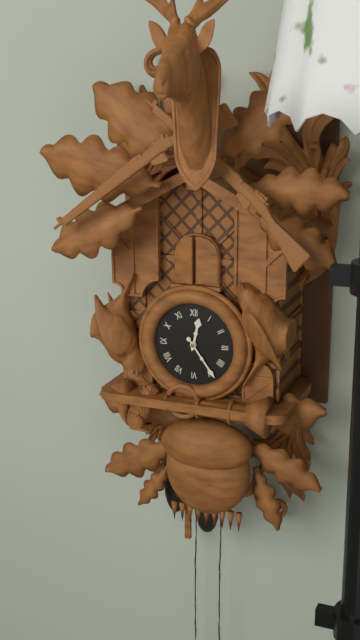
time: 12:24
